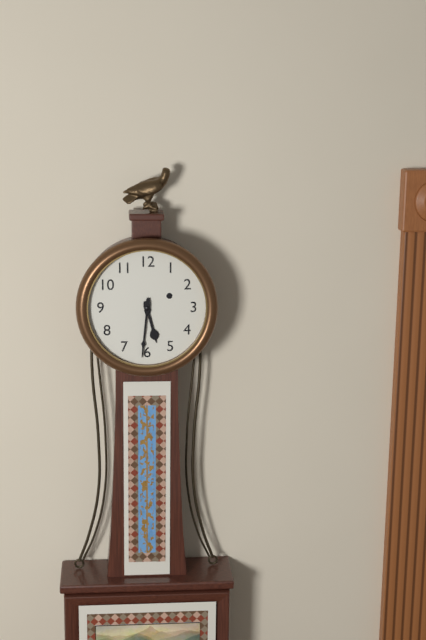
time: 5:31
